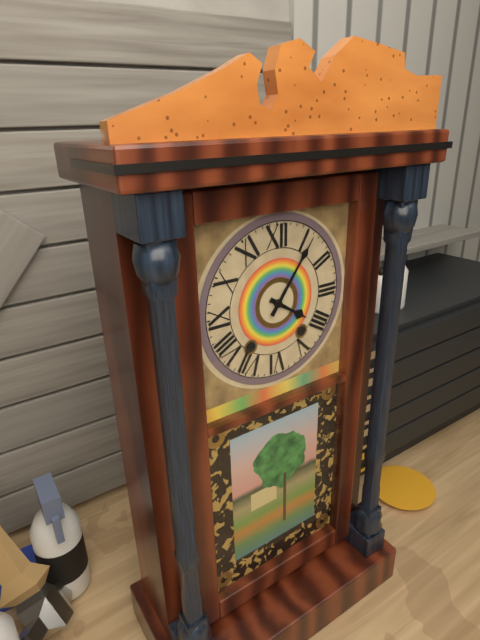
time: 4:06
